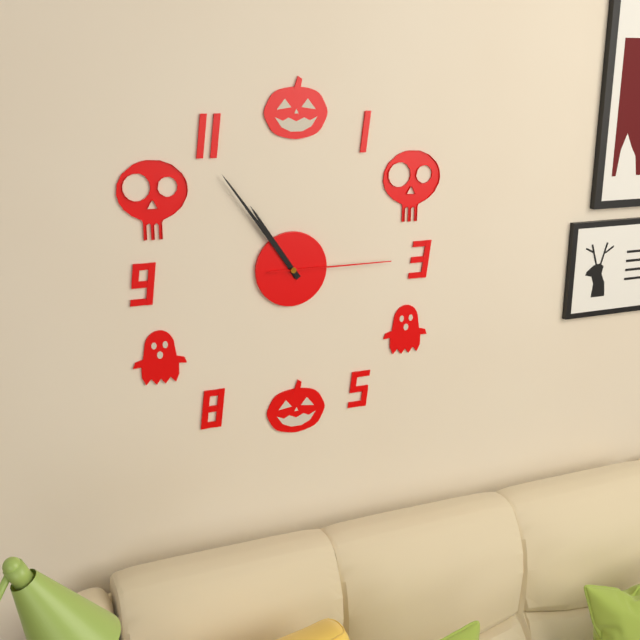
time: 10:54:15
